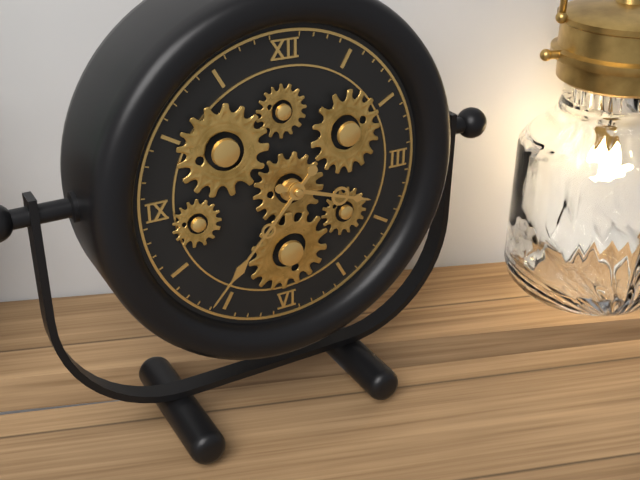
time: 3:37
